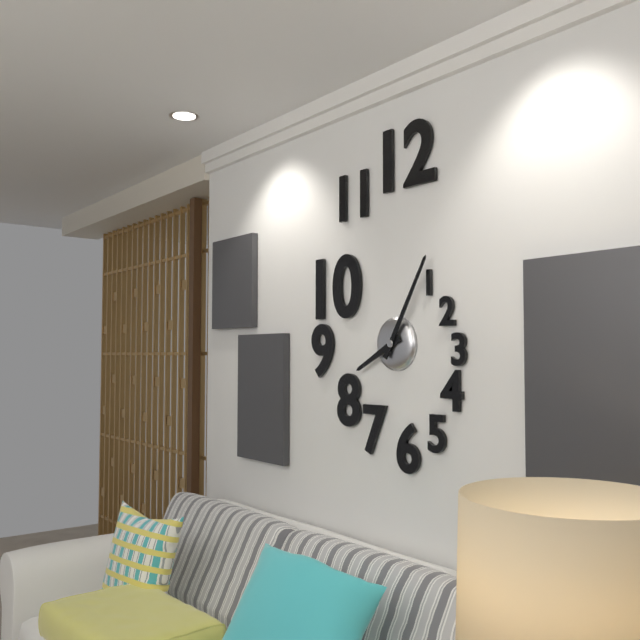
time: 8:05
